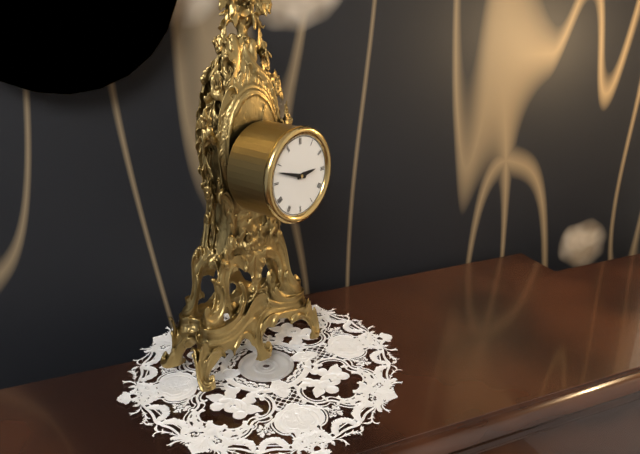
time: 2:48
